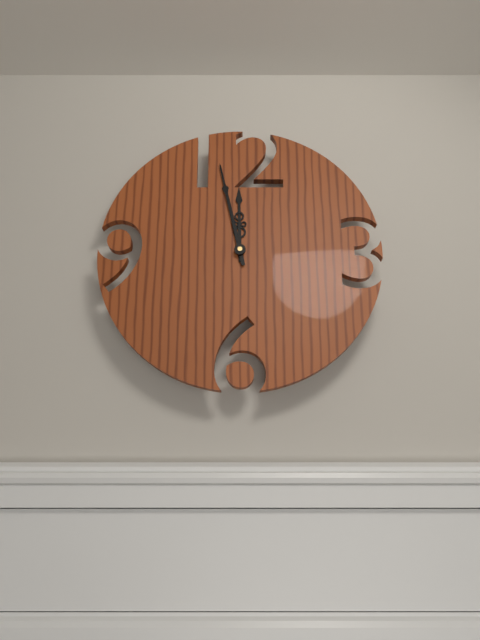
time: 11:58
